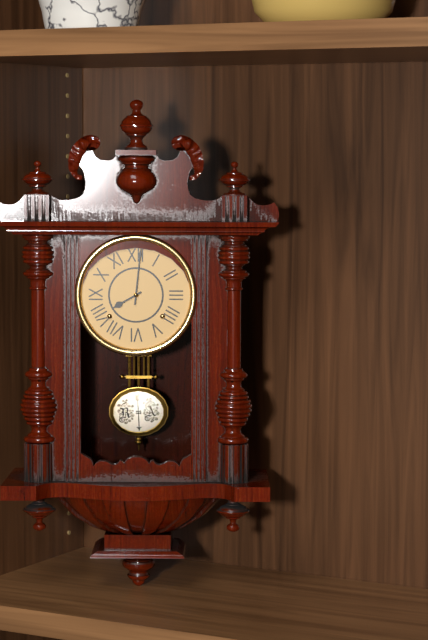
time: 8:01
